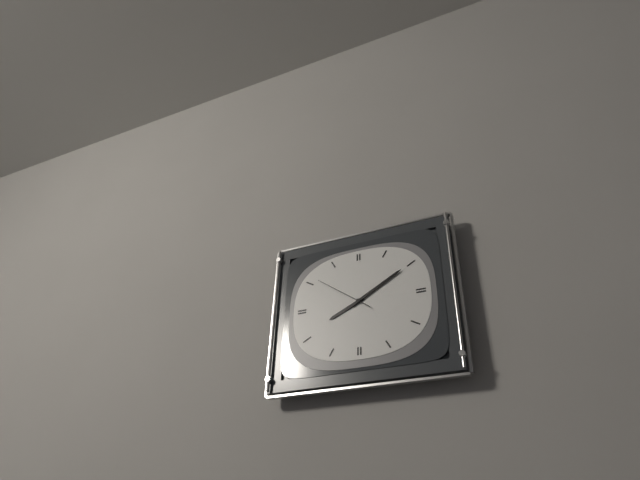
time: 8:10:51
